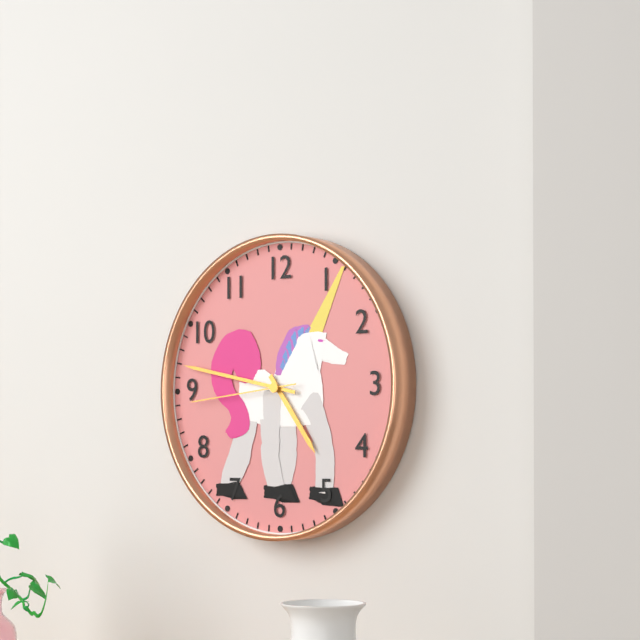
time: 4:47:44
